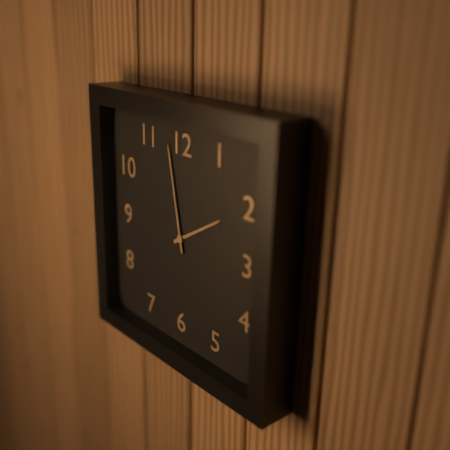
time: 1:58
